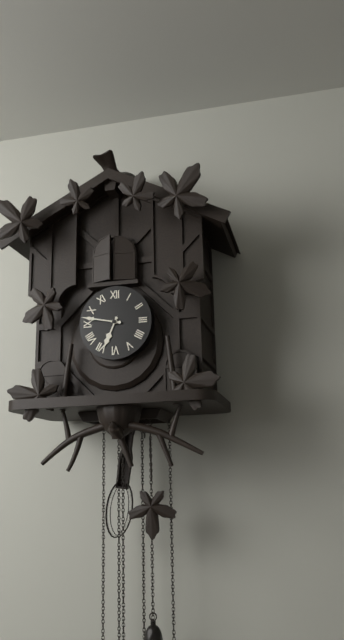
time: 6:47
